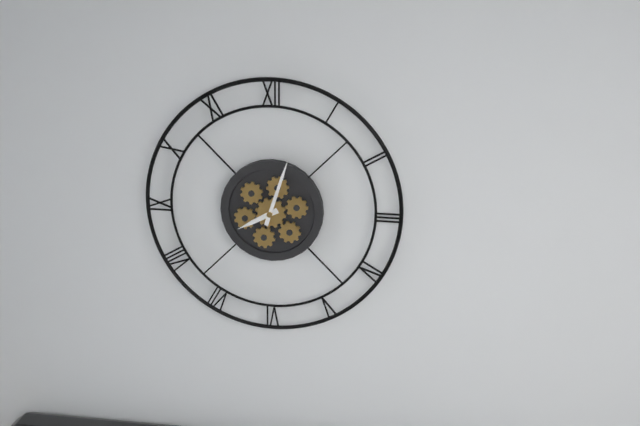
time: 8:03
